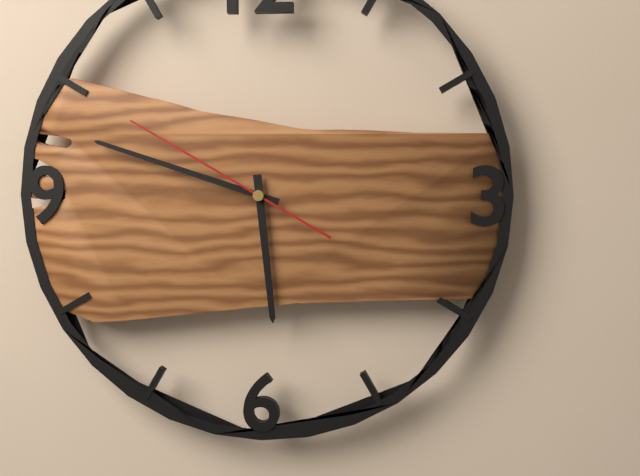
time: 5:48:50
